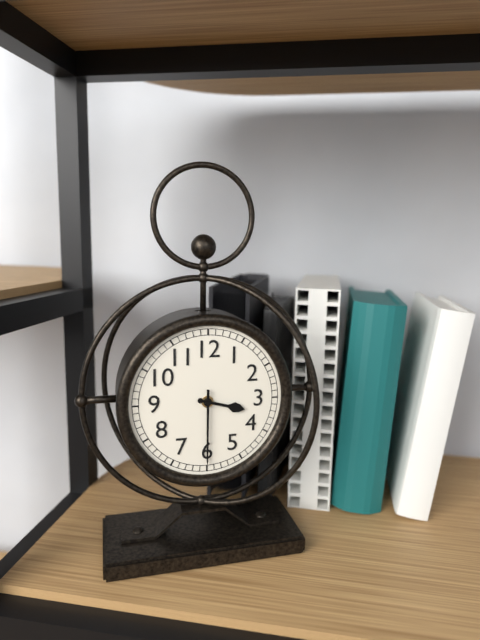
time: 3:30
